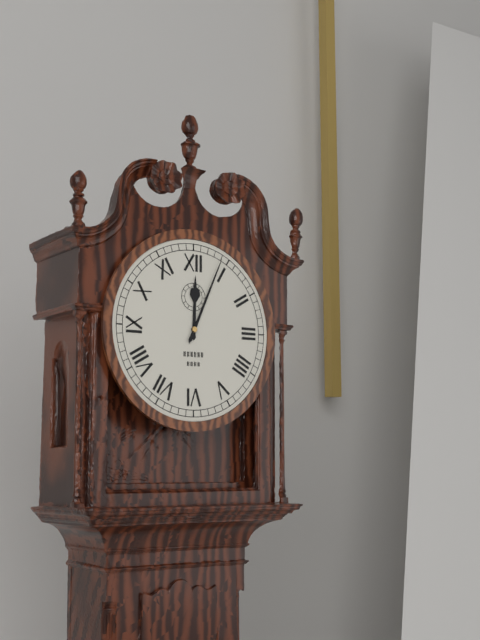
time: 12:04
